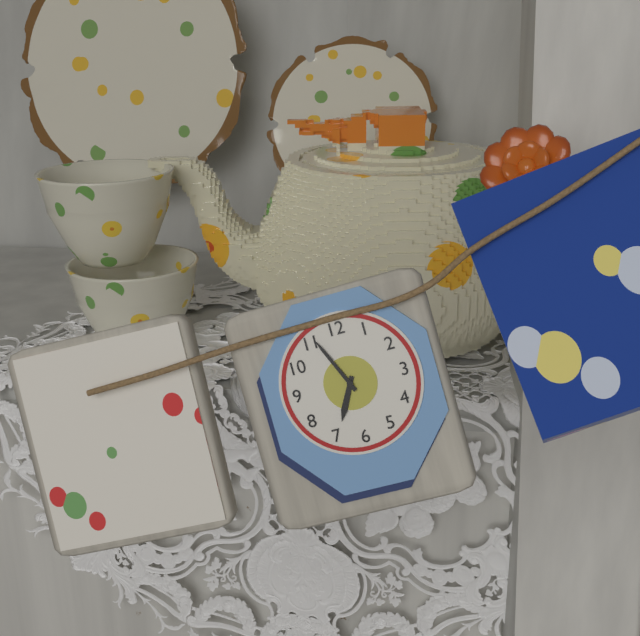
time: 6:56
